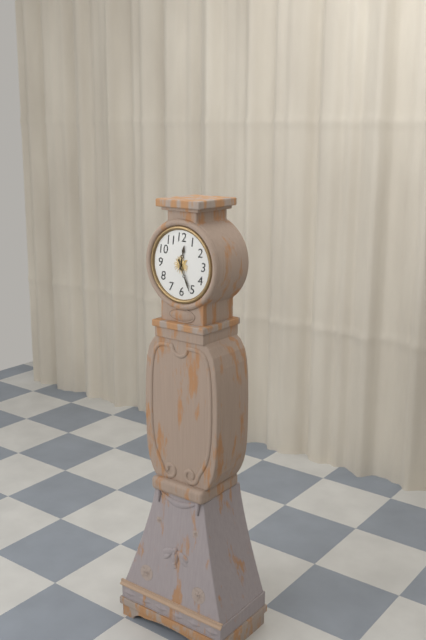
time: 12:26
